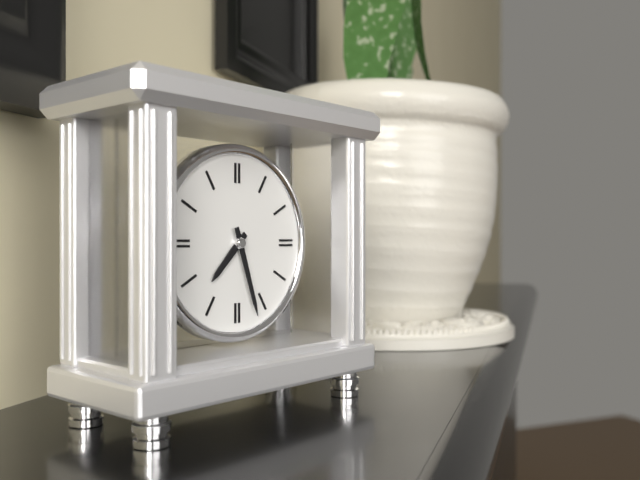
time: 7:27
